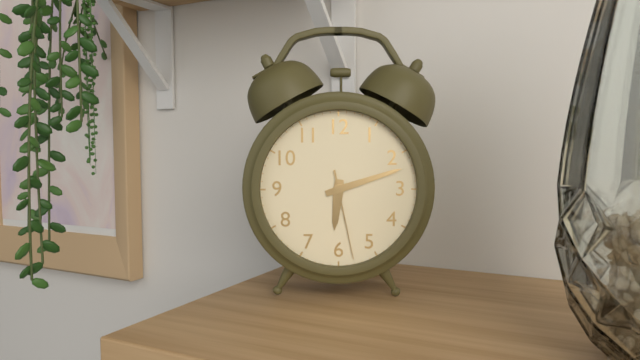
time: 6:12:28
